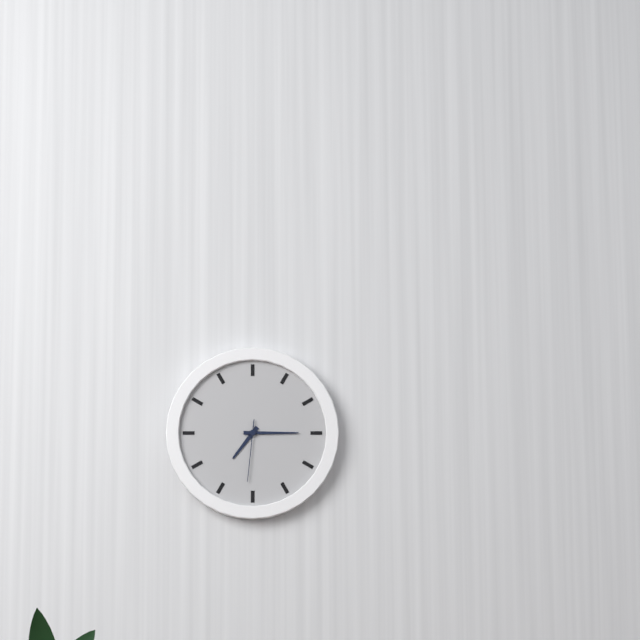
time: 7:15:31
